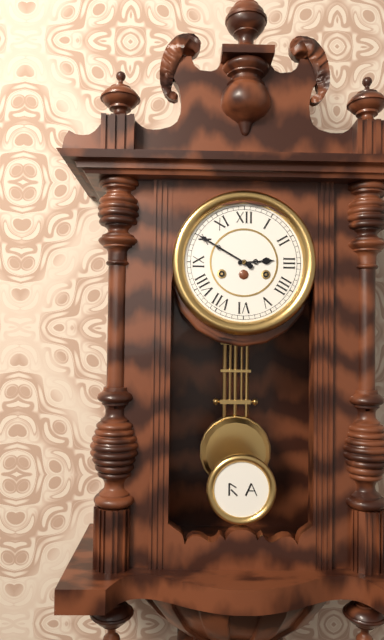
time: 2:50
